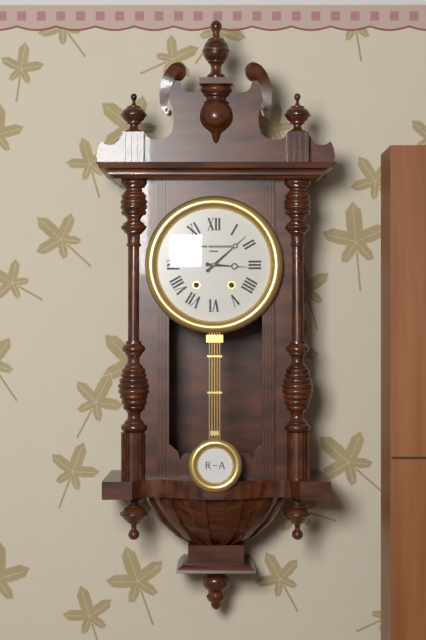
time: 3:08
